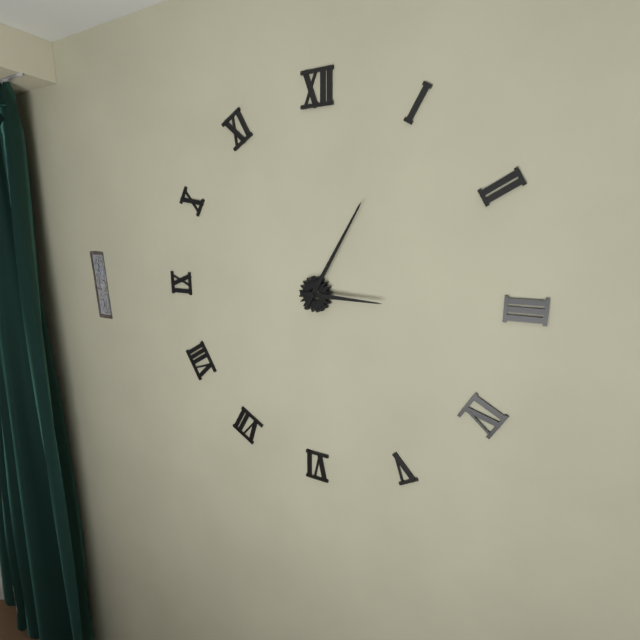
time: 3:05
